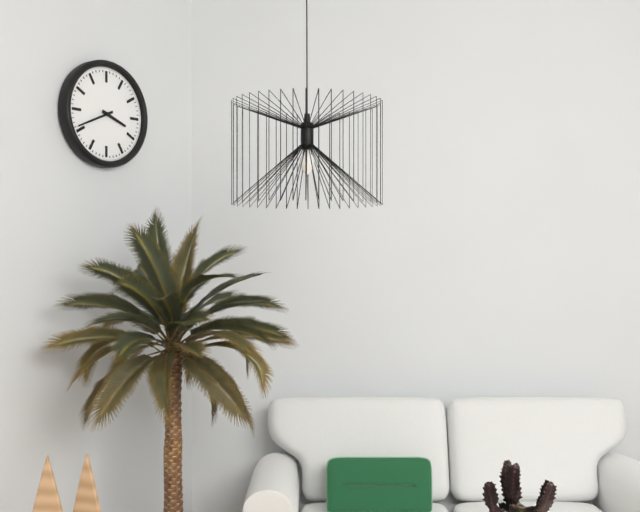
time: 3:41
